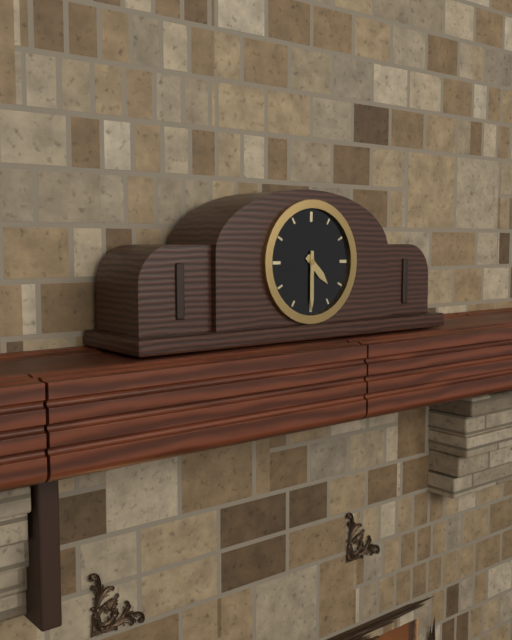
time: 4:30
